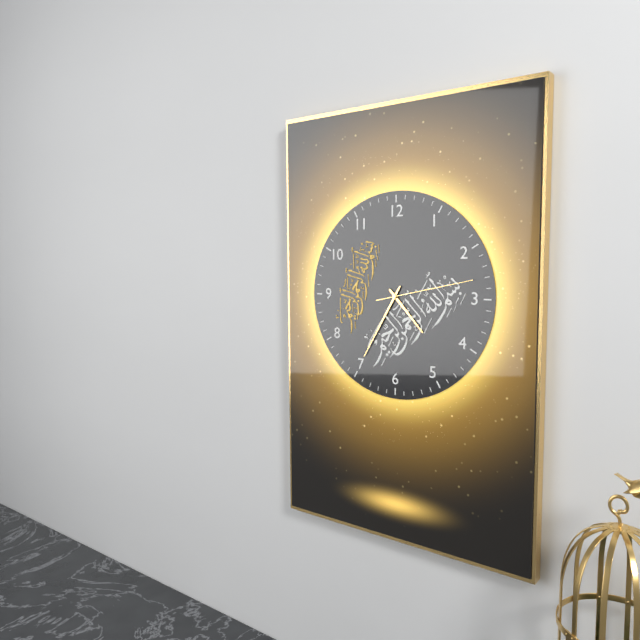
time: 4:35:13
